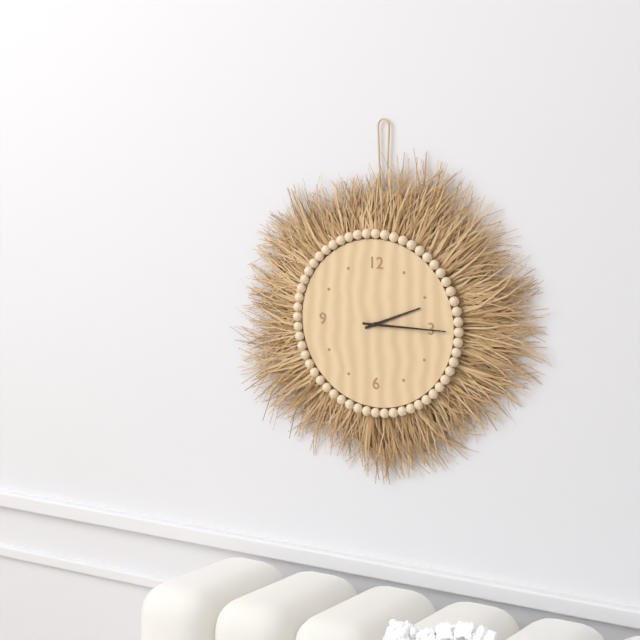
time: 2:15
